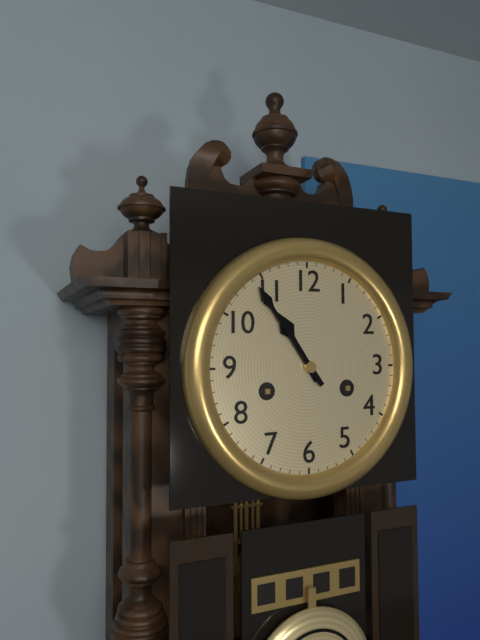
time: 10:54
